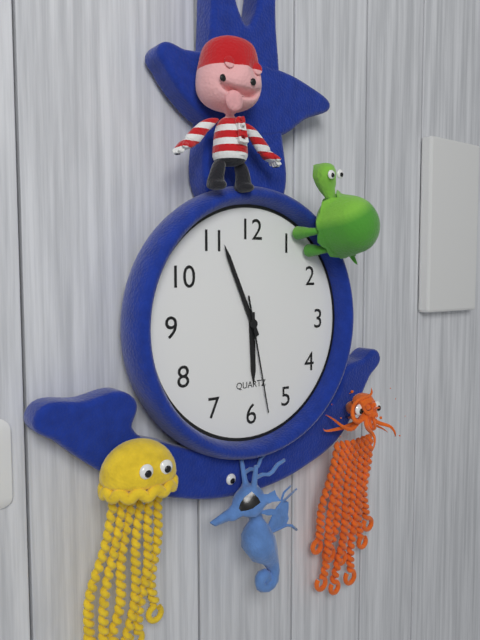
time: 5:56:28
